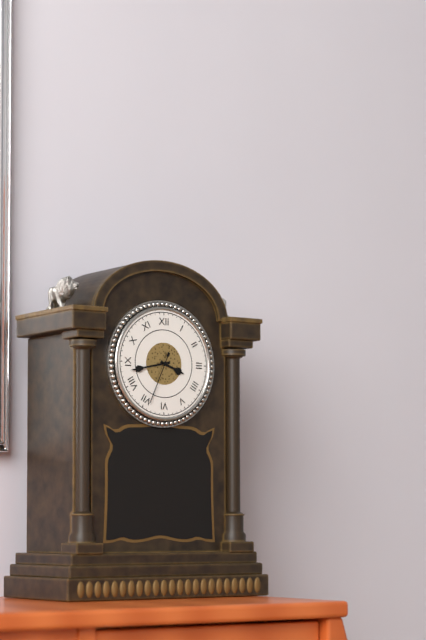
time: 3:43:34
